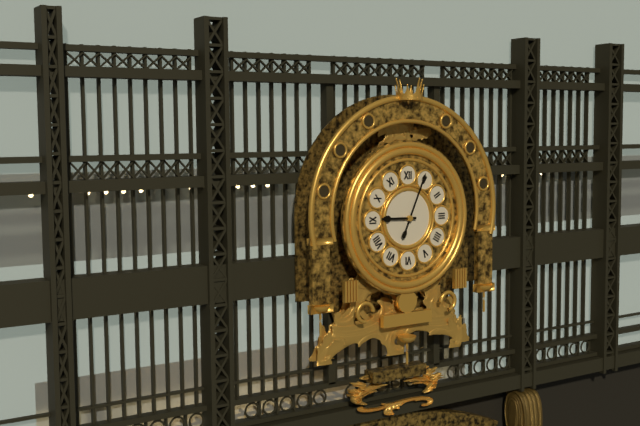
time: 9:04
